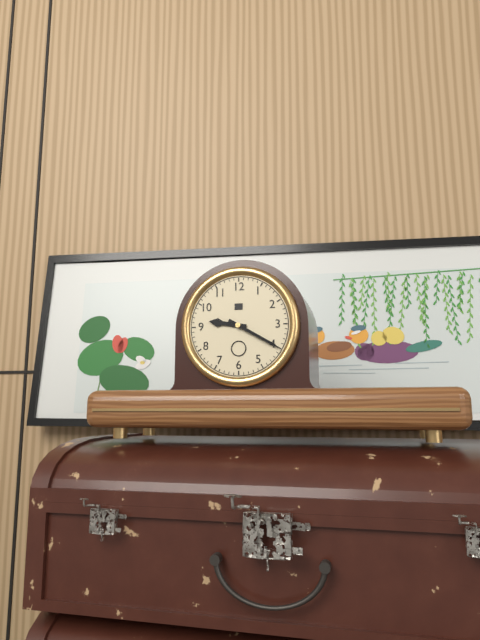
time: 9:20
